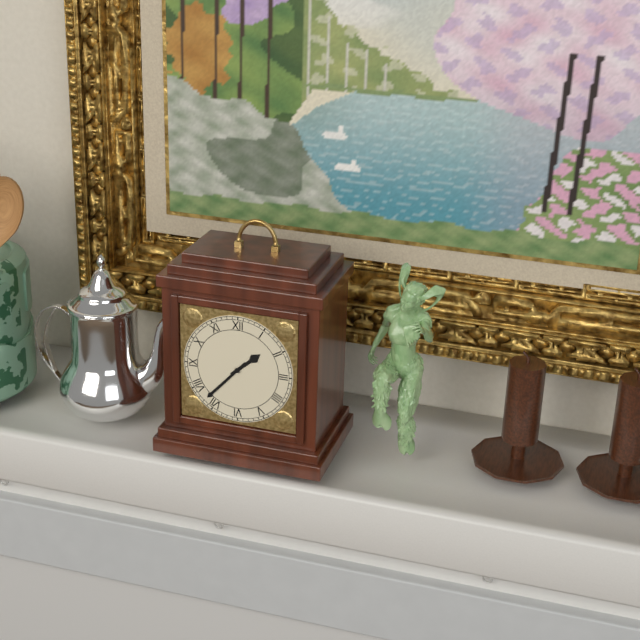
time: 1:37
